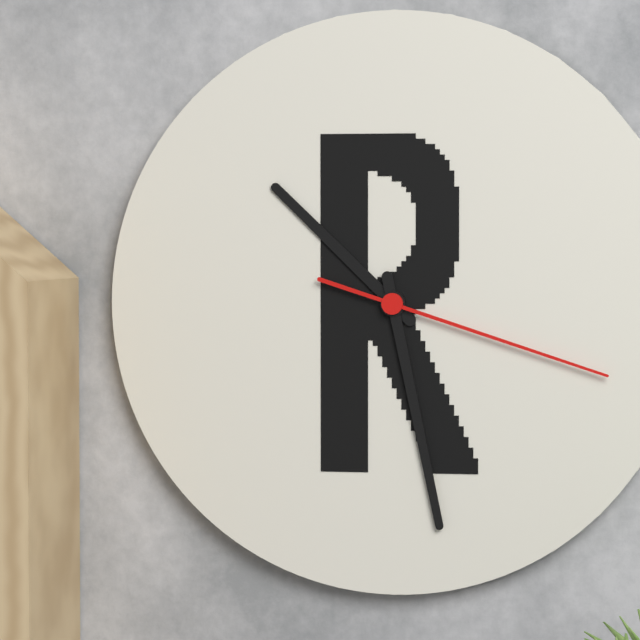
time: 10:28:18
